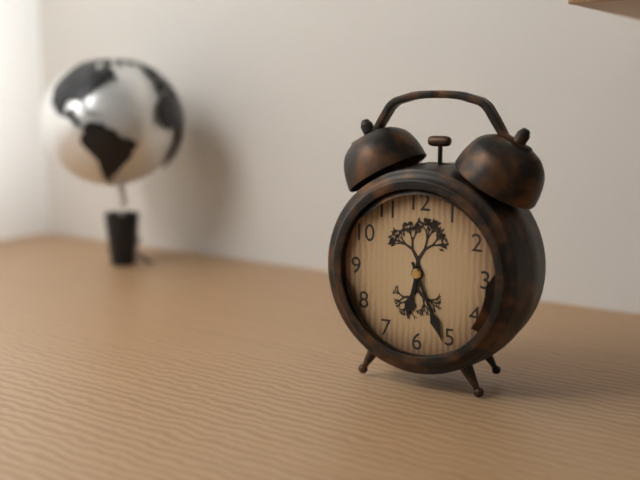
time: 6:26
